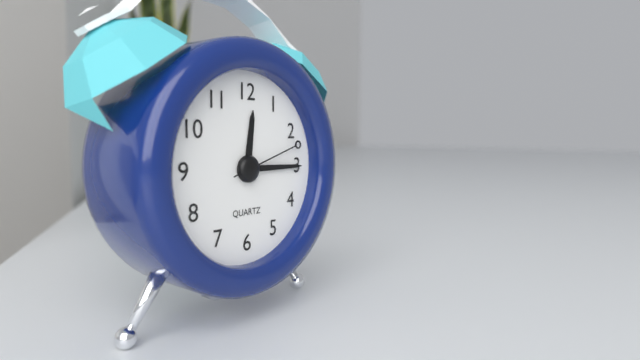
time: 12:15:12
